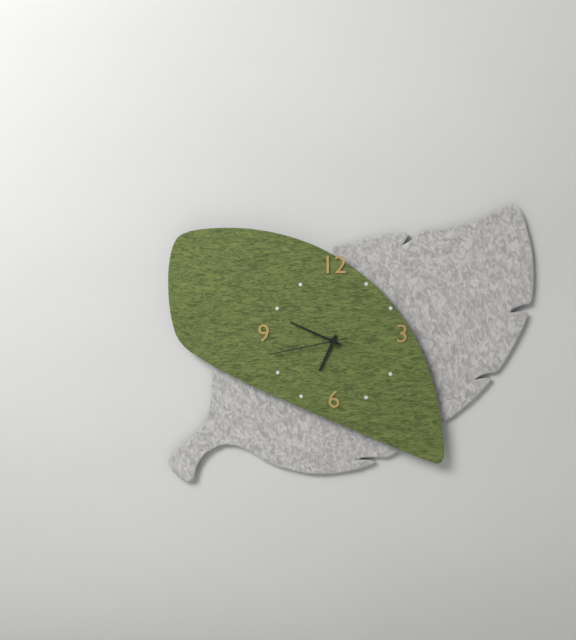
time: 6:49:43
